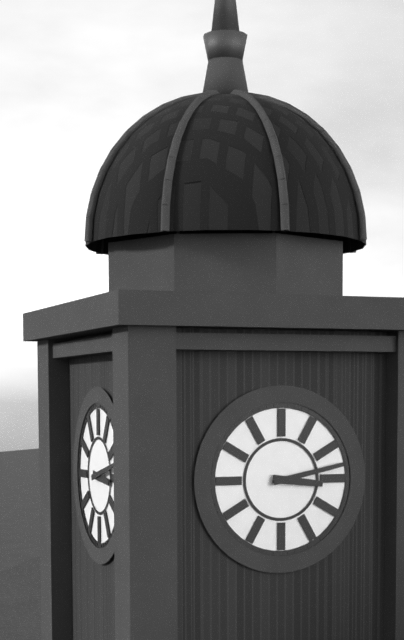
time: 3:13
